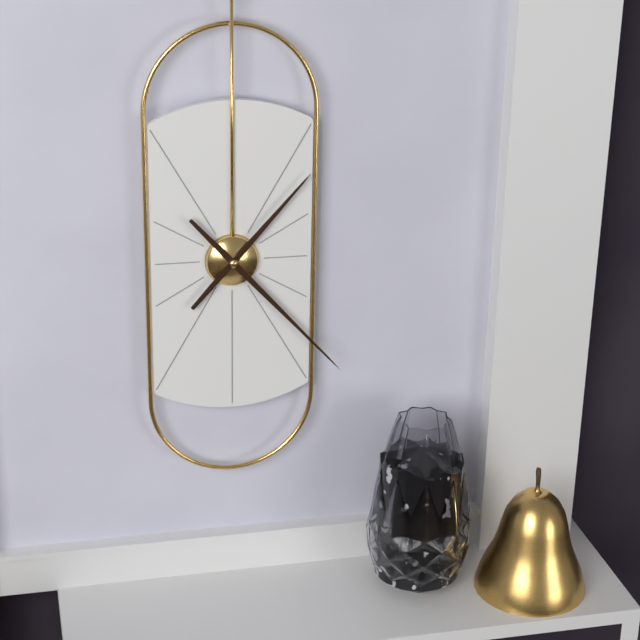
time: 1:23
